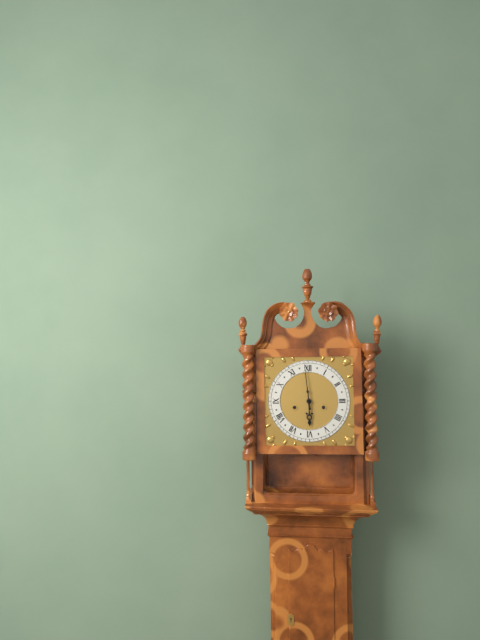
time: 5:59
